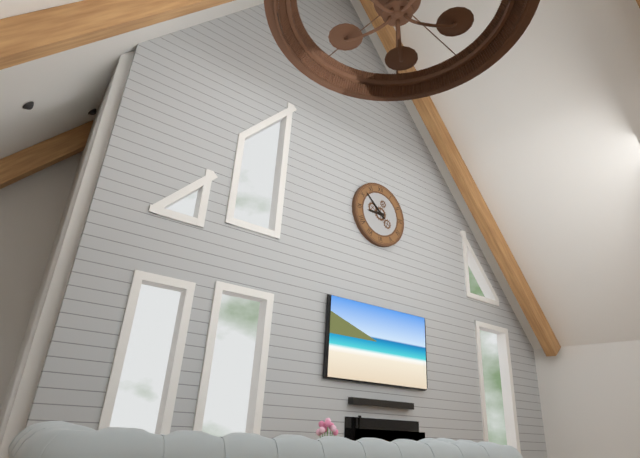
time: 8:52
